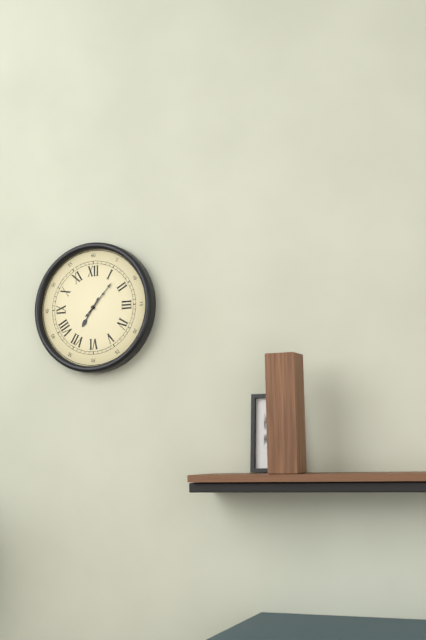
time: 7:07
